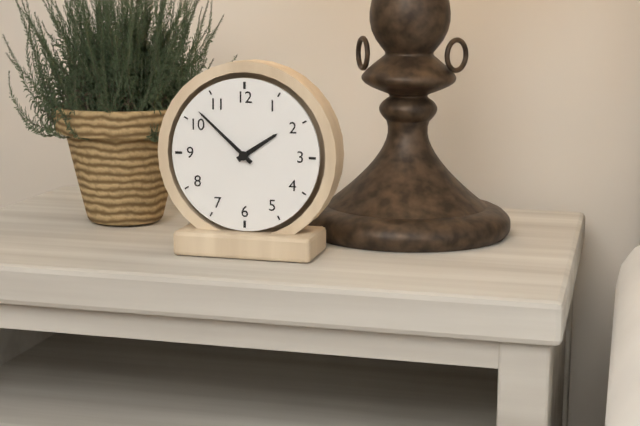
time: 1:52
